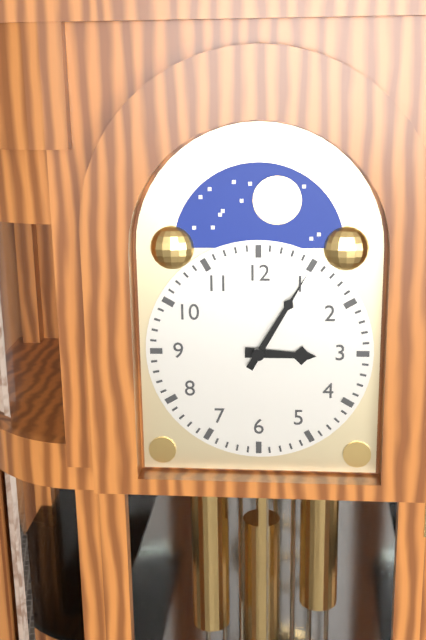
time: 3:05
